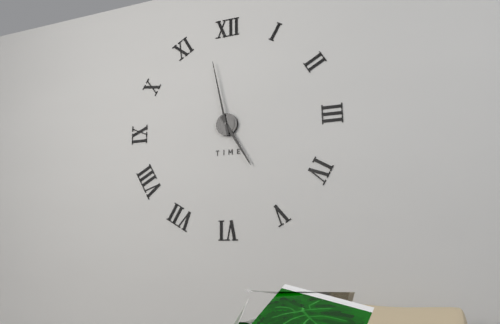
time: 4:58
